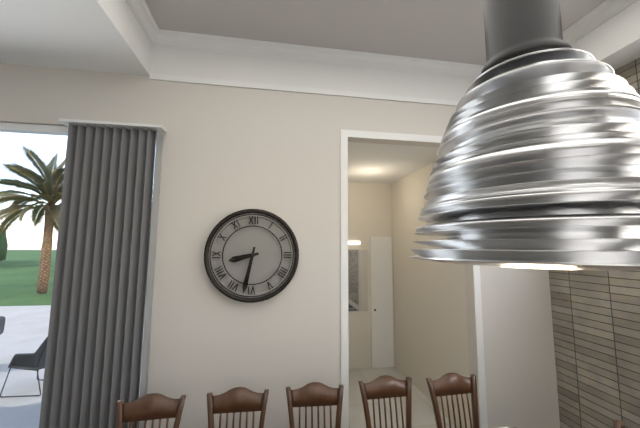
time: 8:32
